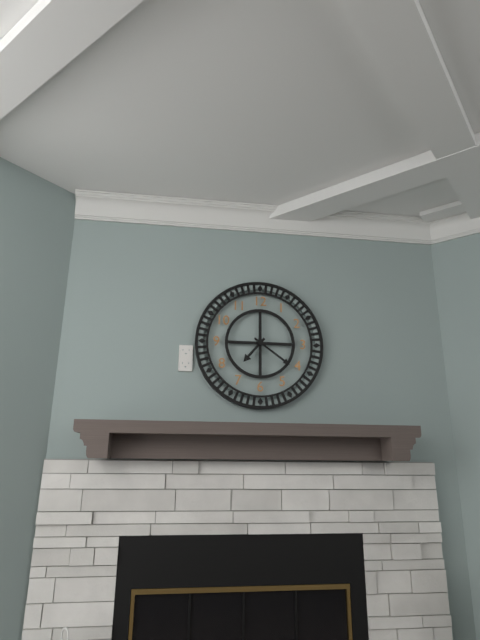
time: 7:21
